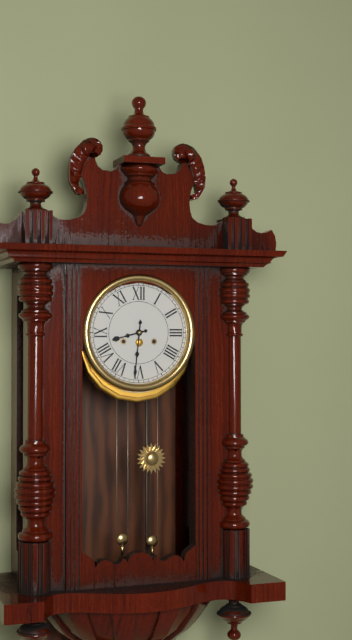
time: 8:31
